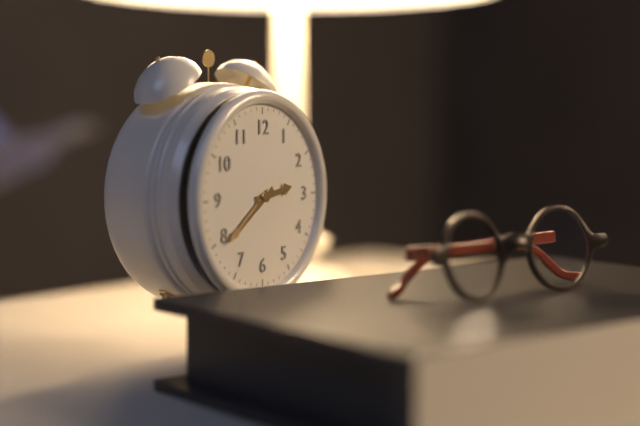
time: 2:39
